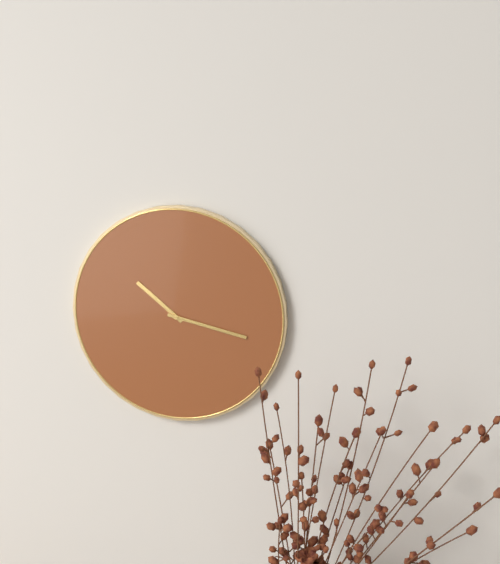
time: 10:17
